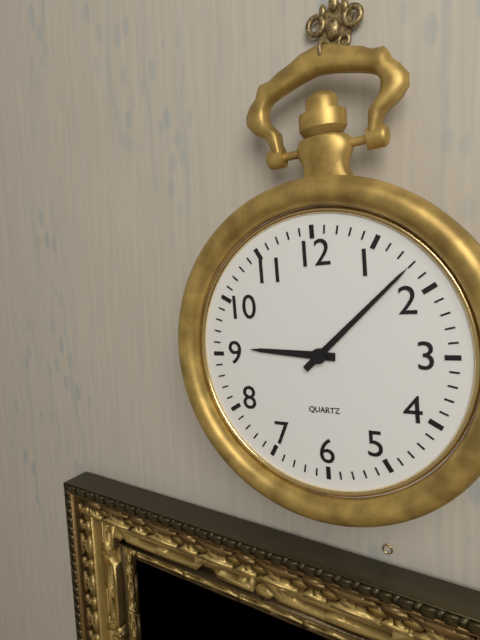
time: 9:08
